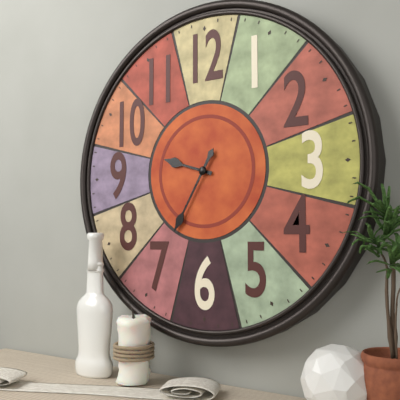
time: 9:35
